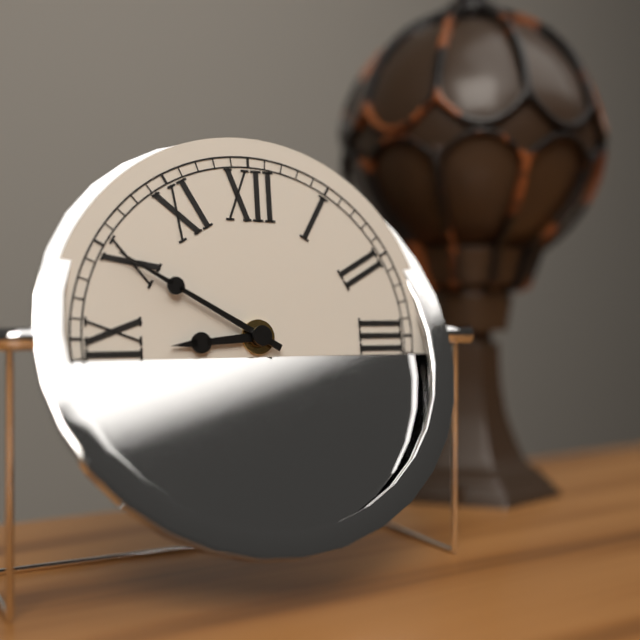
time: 8:50
